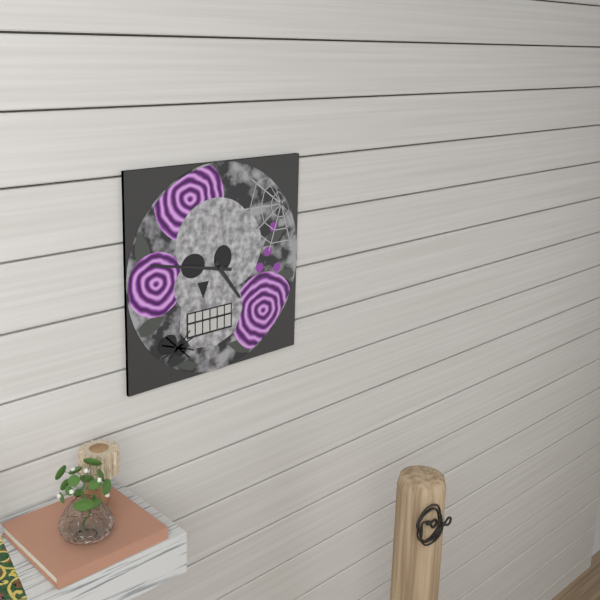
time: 4:47
